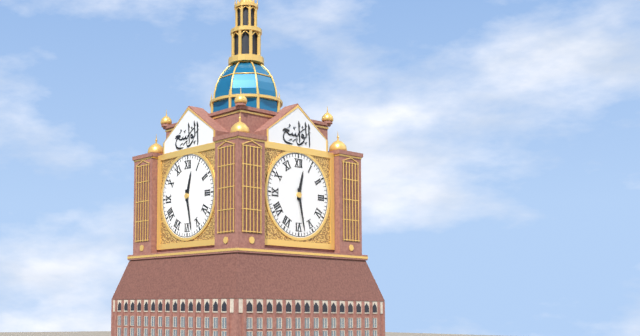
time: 12:28
